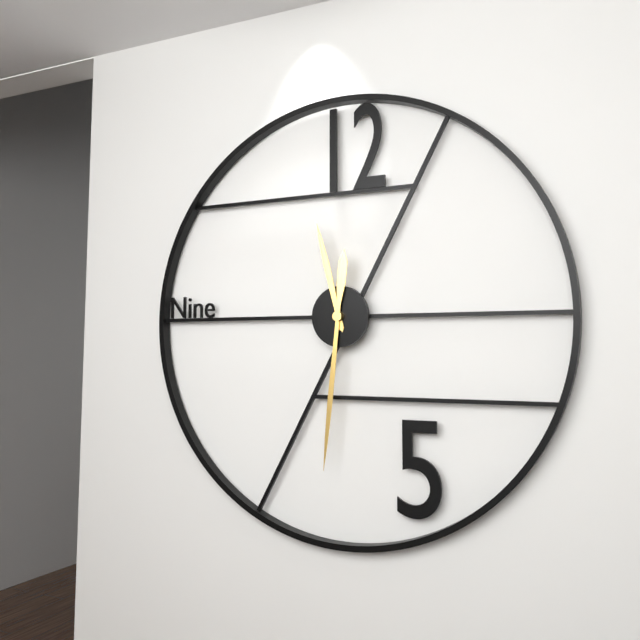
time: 11:31
